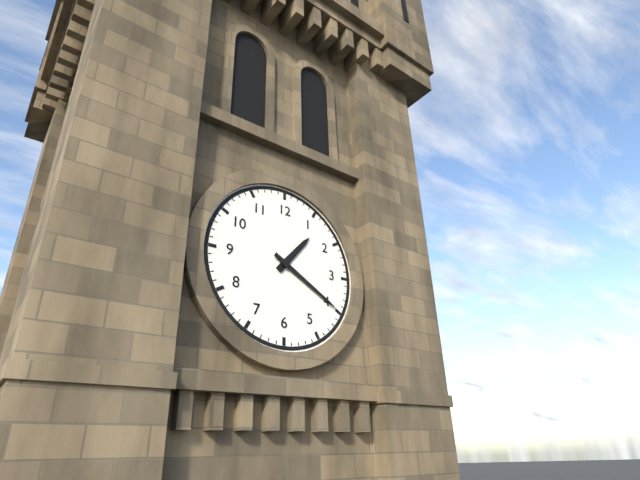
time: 1:20
